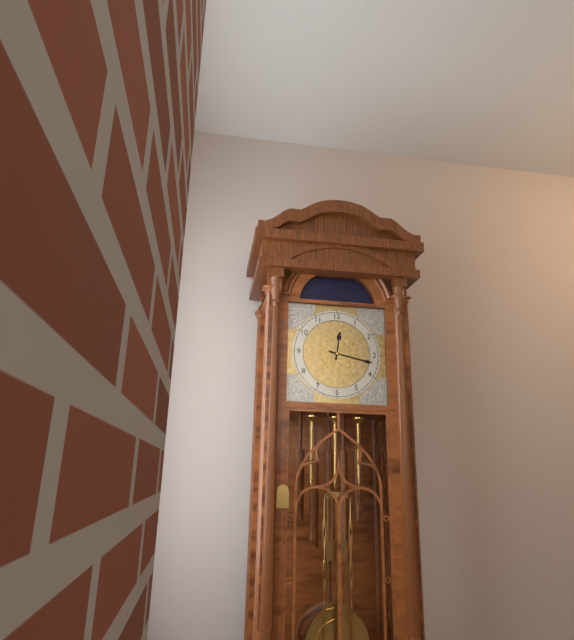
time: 12:17
